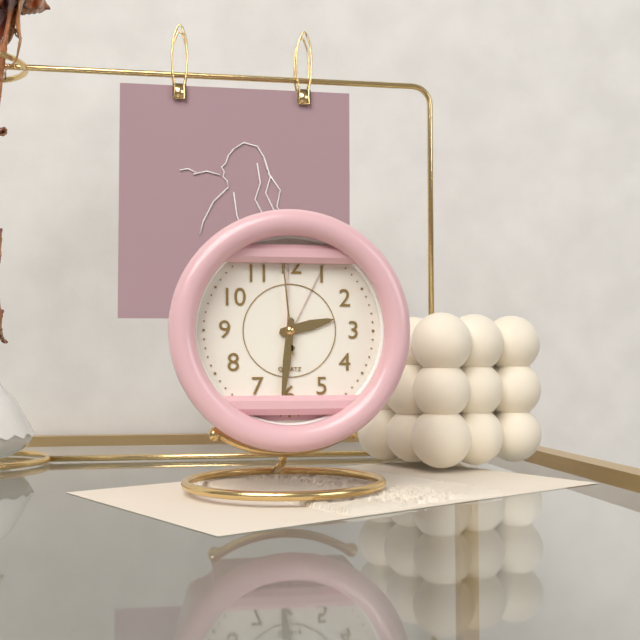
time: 2:31:59
